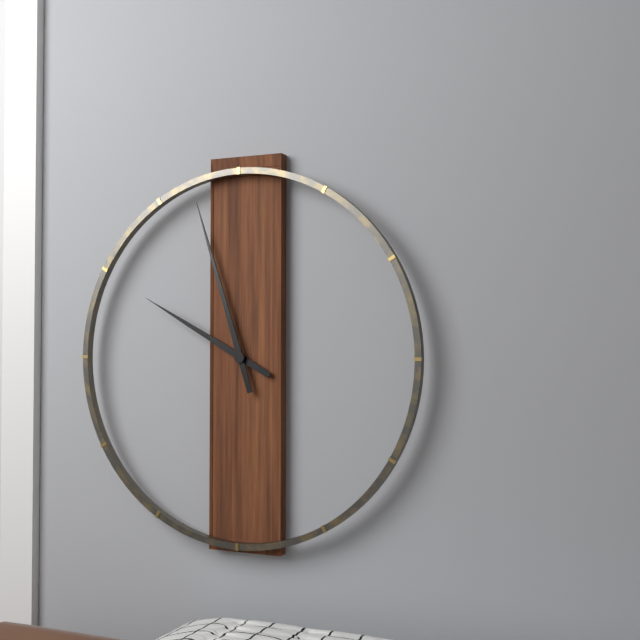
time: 9:57
